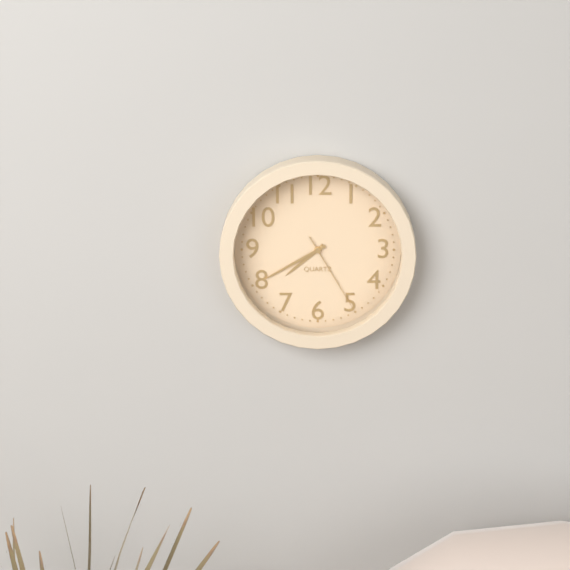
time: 7:40:25
